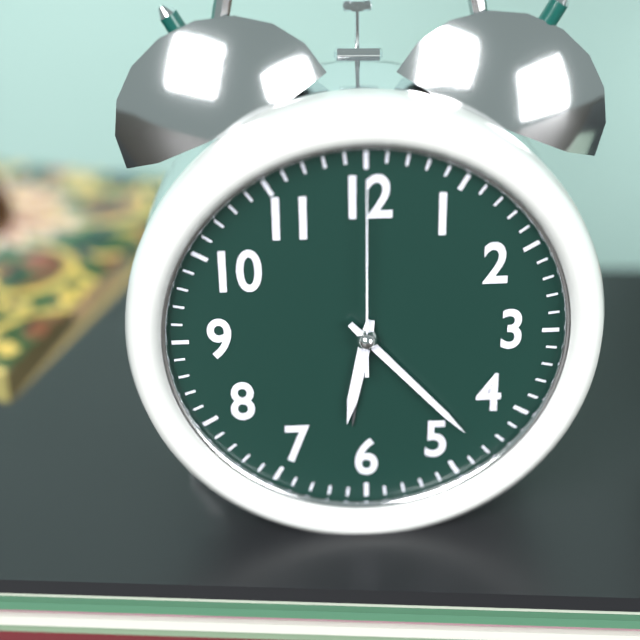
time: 6:23:00
